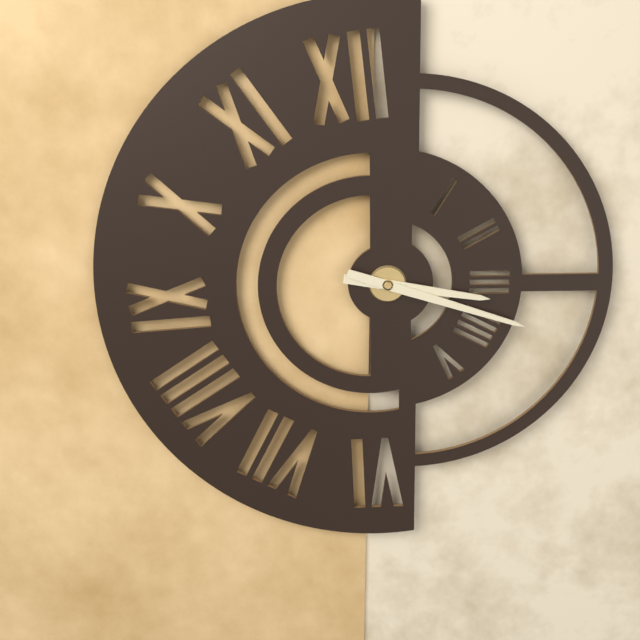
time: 3:18
